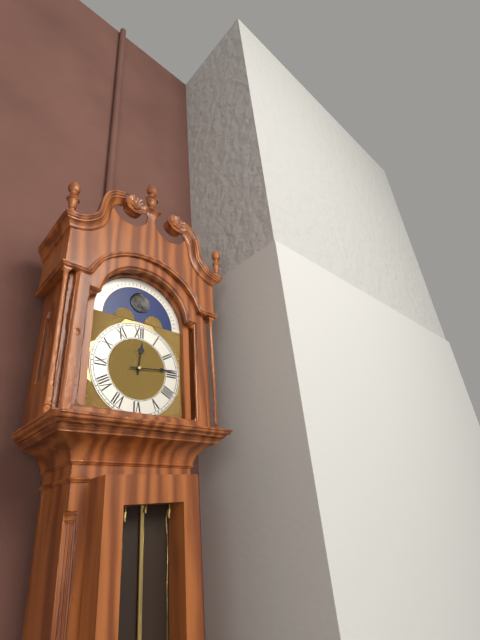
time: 12:14
